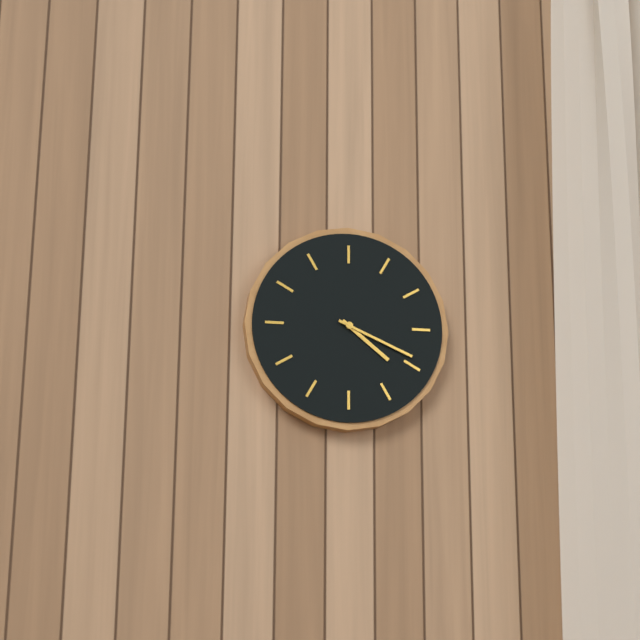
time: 4:19
